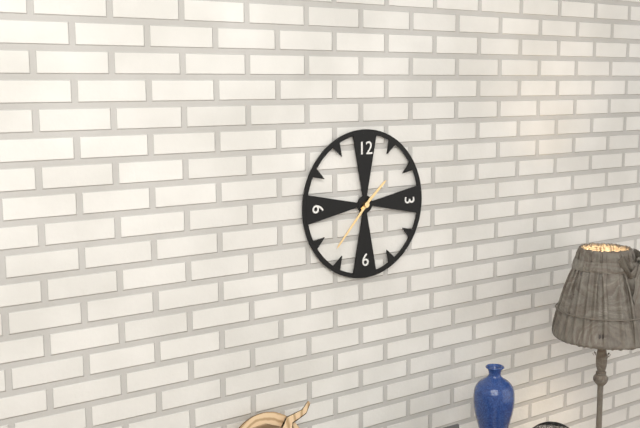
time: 1:37
